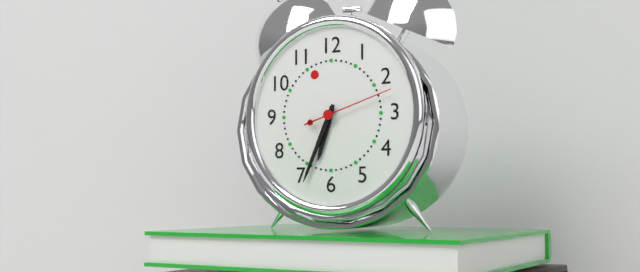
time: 6:34:12
